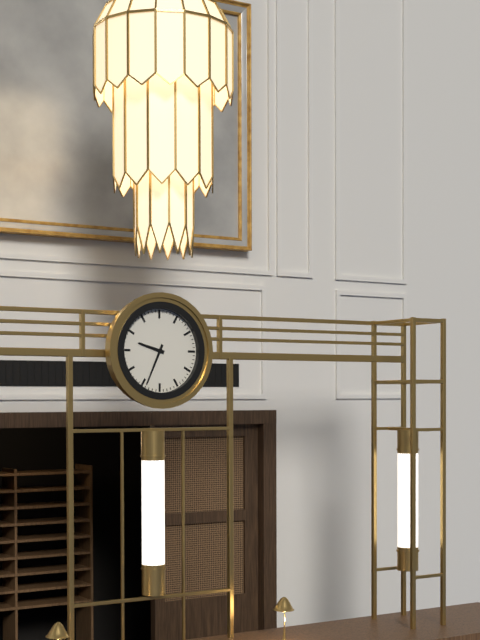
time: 9:34
